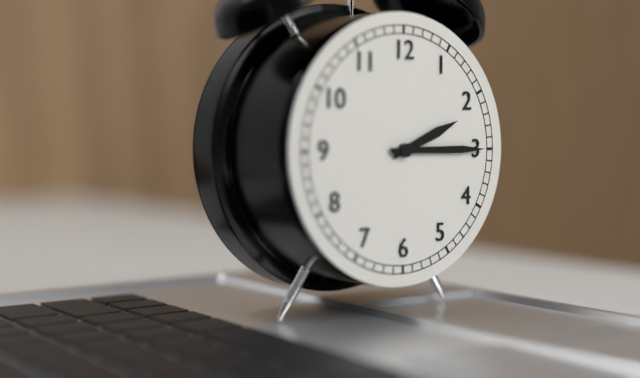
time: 2:15
